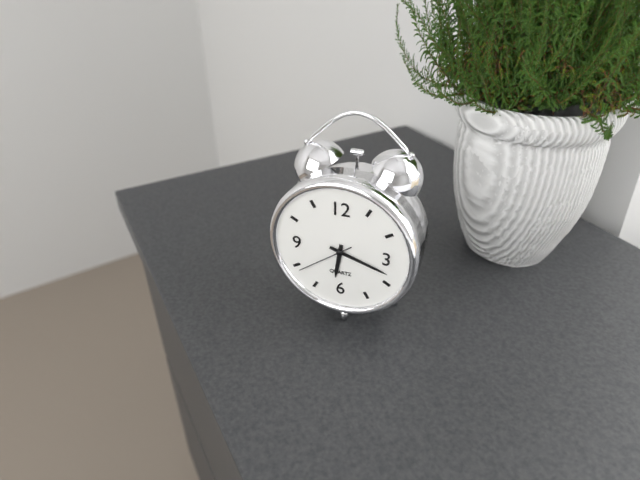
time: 6:18:39
